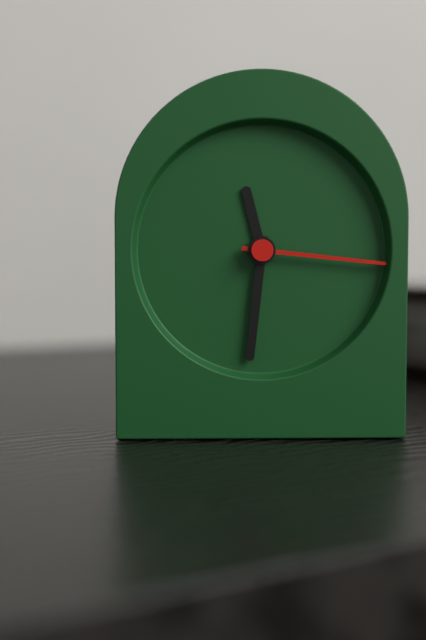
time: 11:31:16
